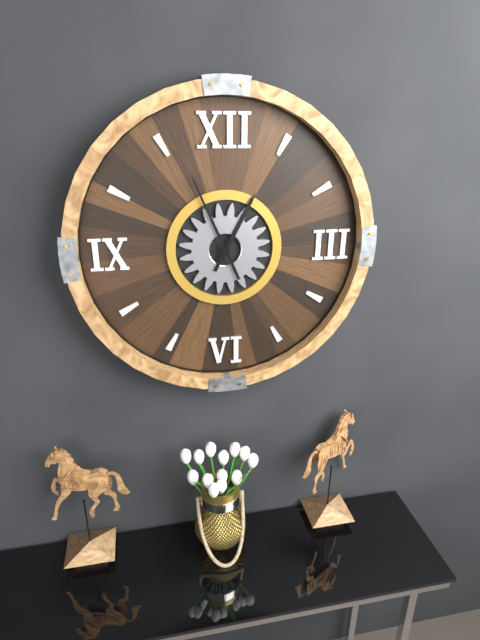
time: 12:56
